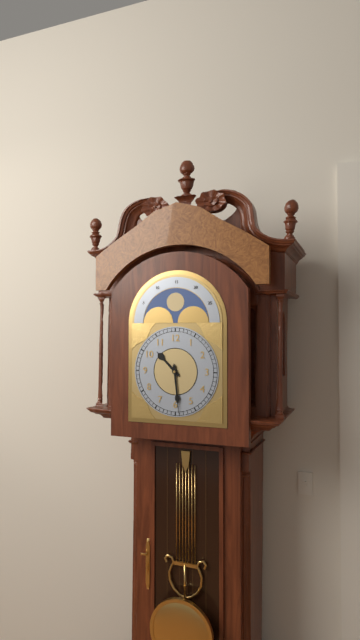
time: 10:29
